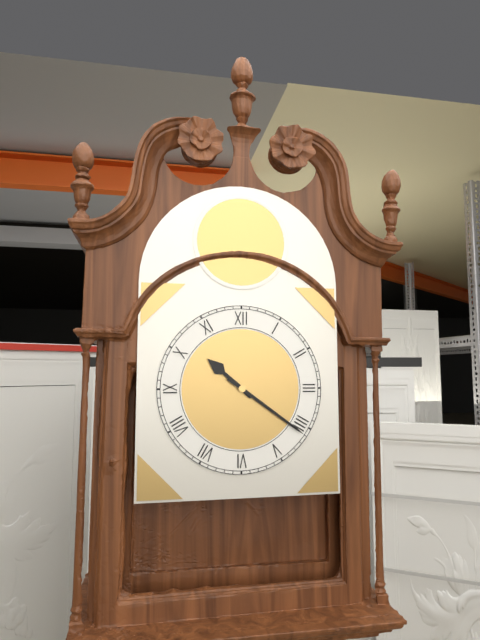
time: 10:21
